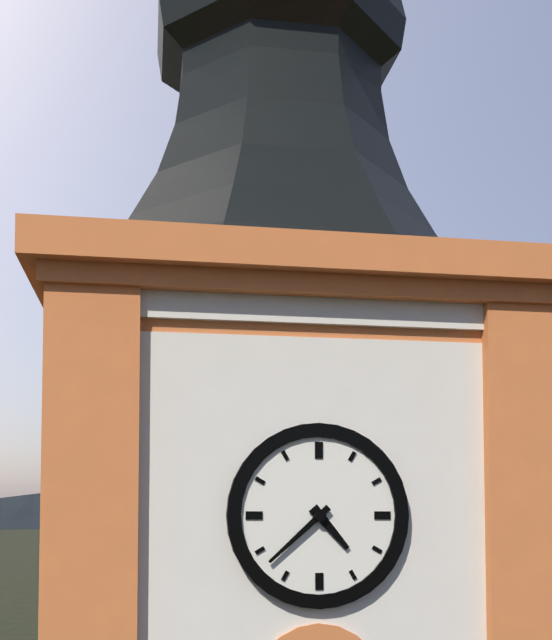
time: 4:38
